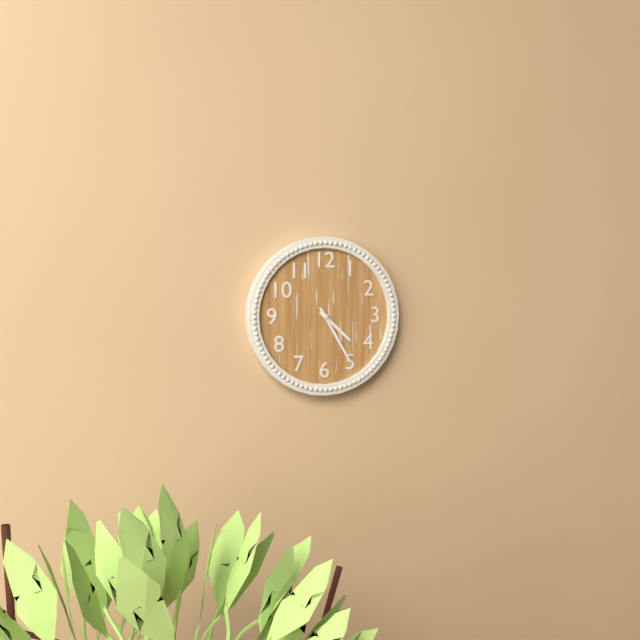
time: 4:25
